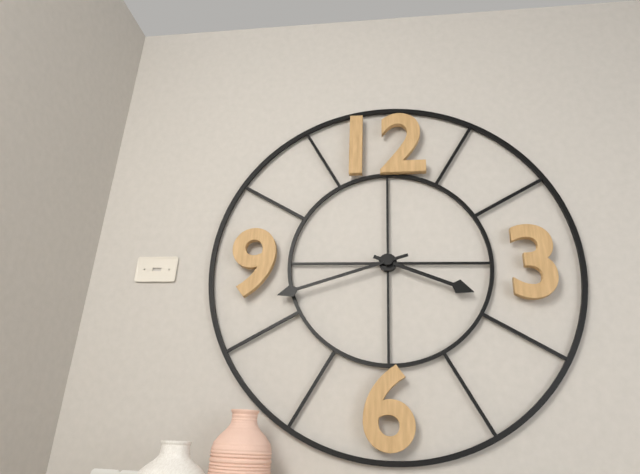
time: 3:42
